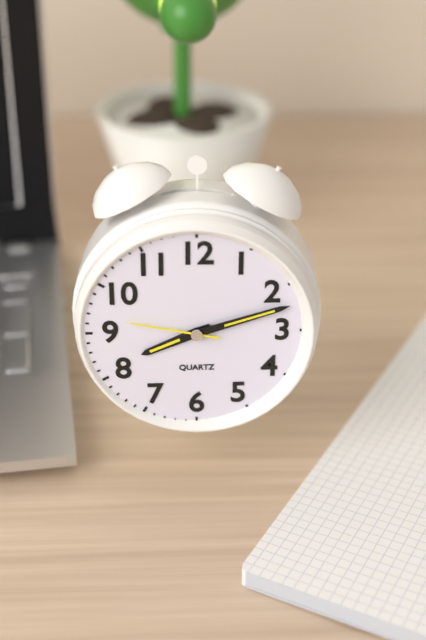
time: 8:12:47
